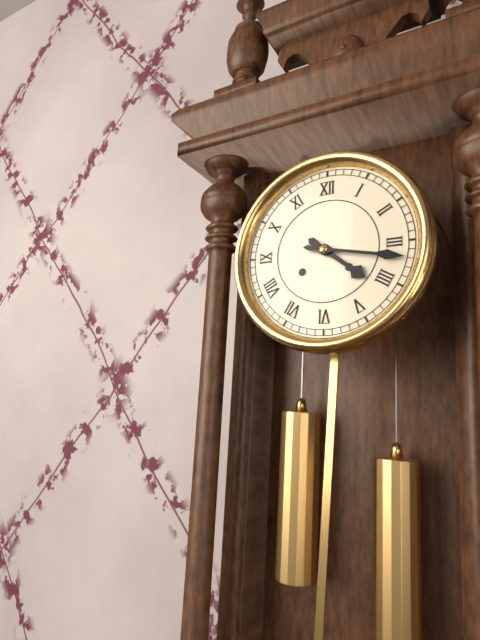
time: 4:17
